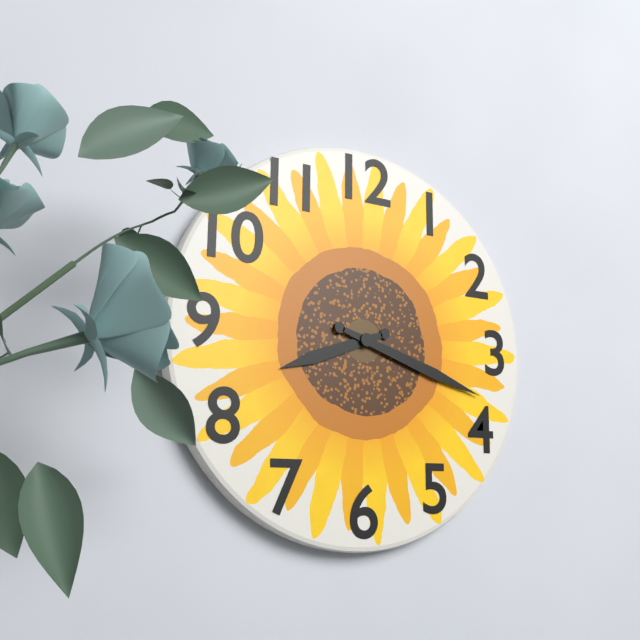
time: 8:18
